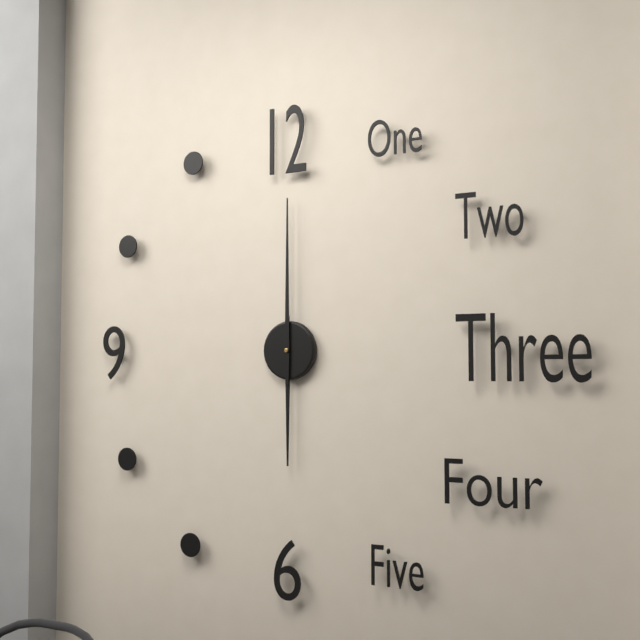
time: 6:00
